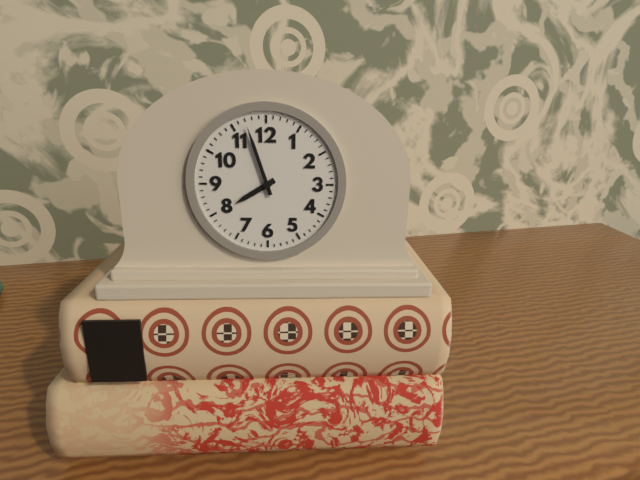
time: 7:57
